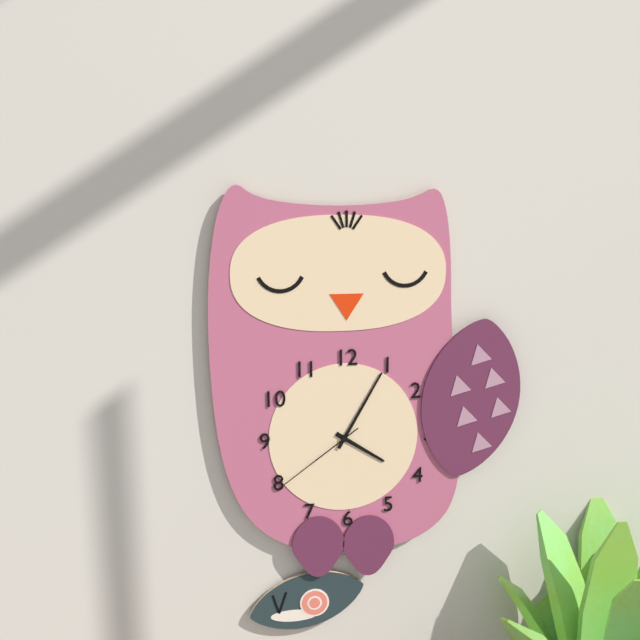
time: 4:05:39
